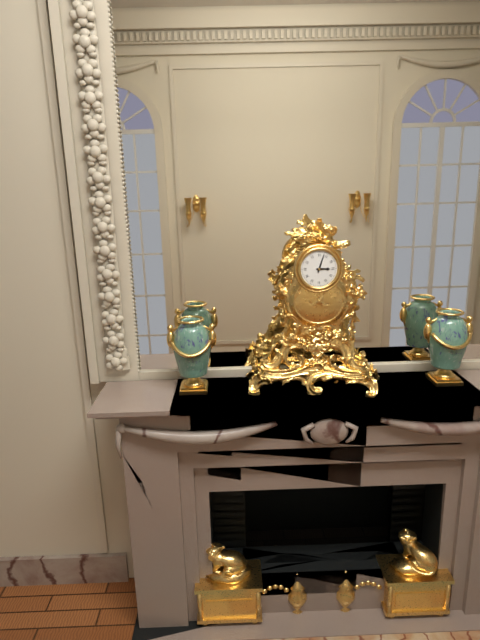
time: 3:03
